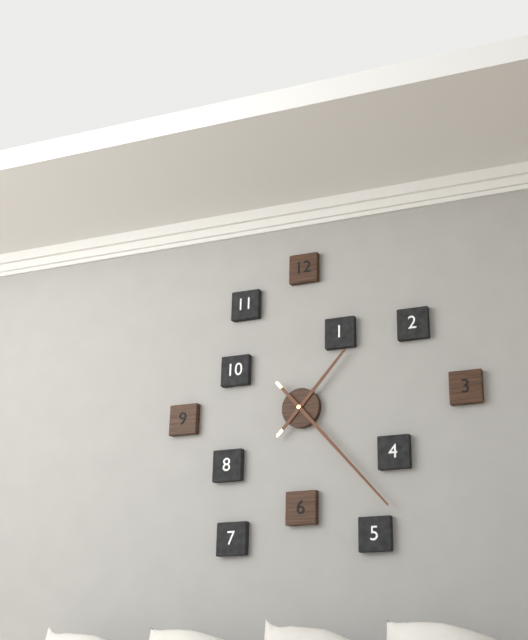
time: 1:23
